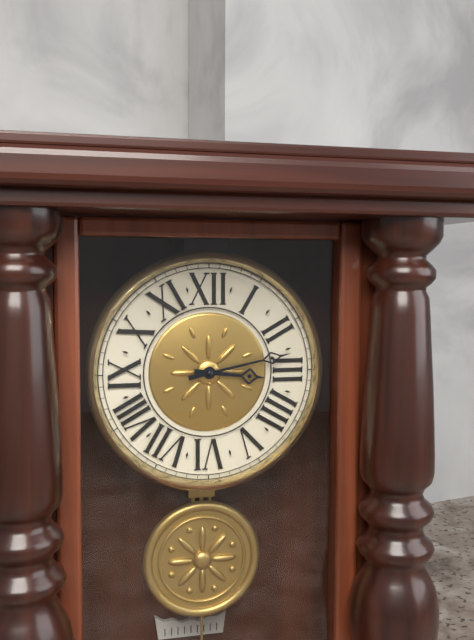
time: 3:13
